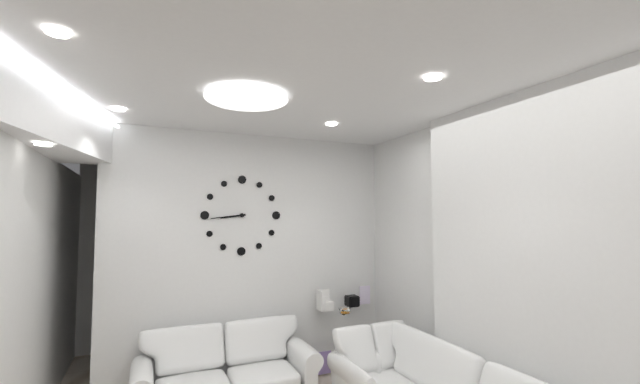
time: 8:44
